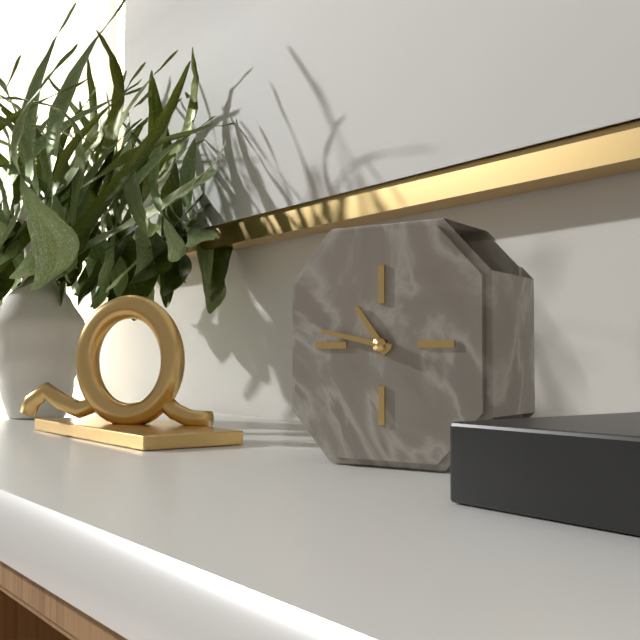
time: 10:47
